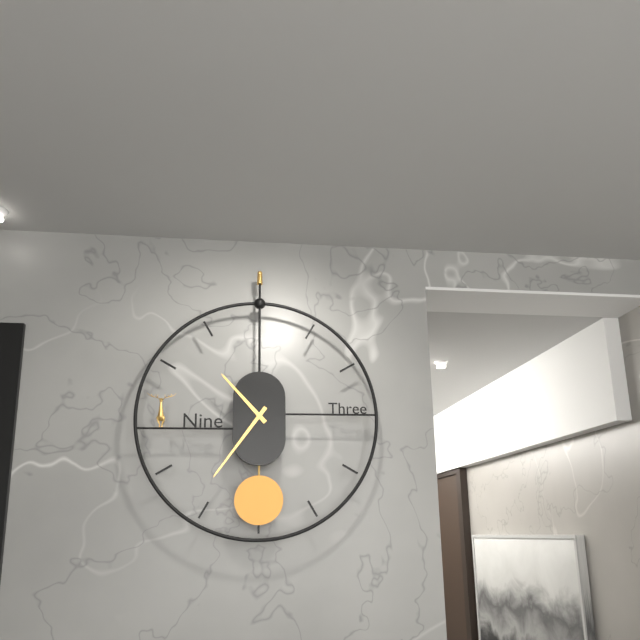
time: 10:36
